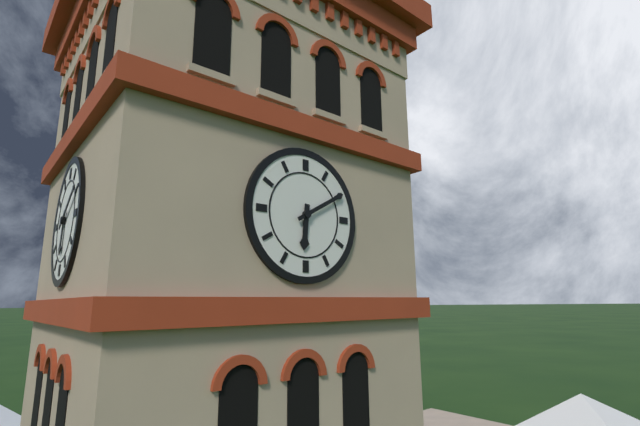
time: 6:10
